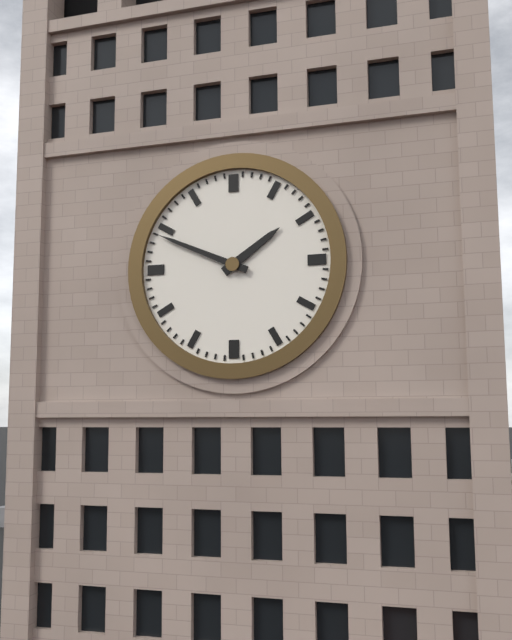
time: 1:49
